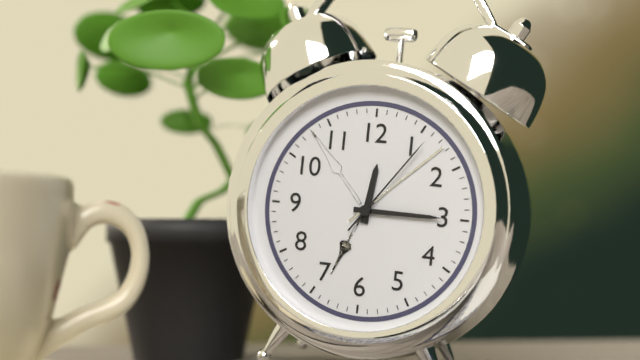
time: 12:15:06
